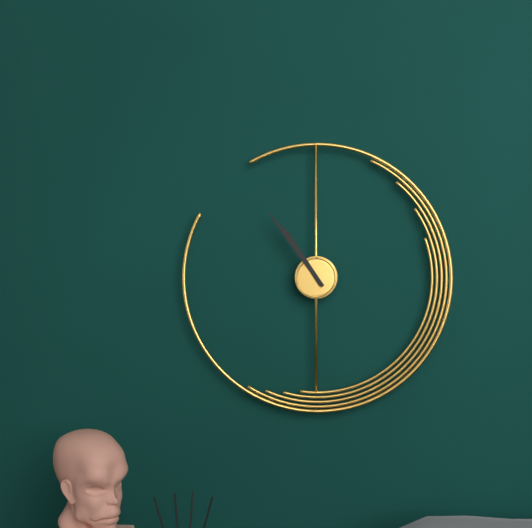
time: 10:54
